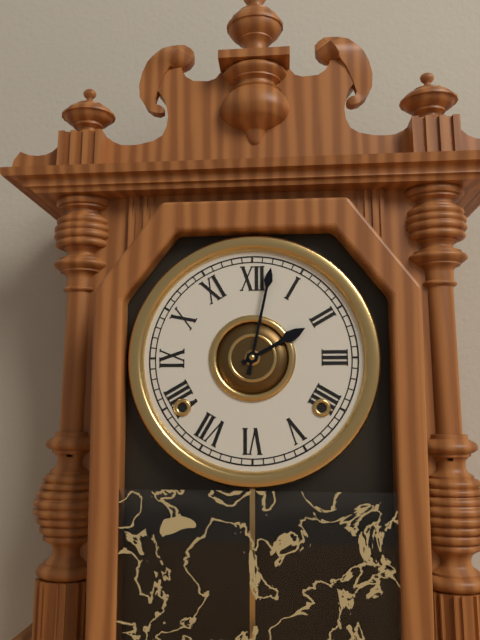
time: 2:02
